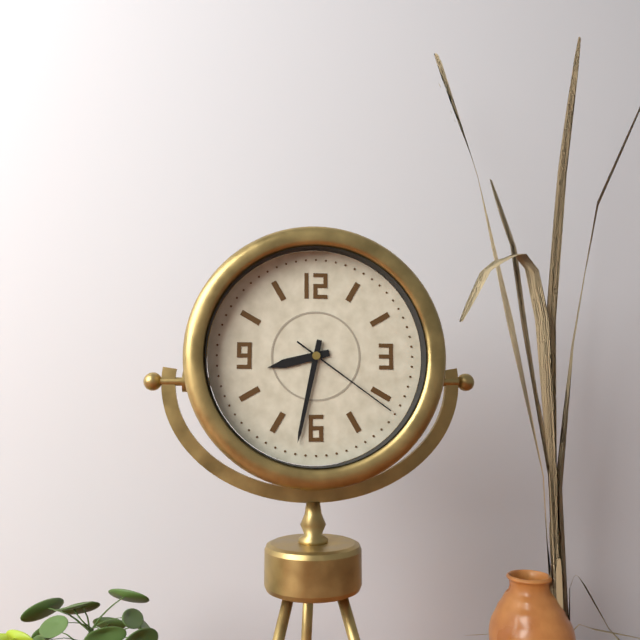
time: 8:32:21
